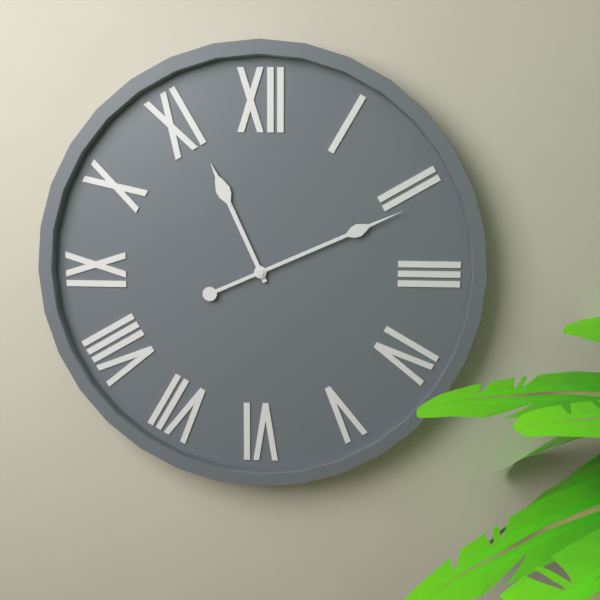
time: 11:11
